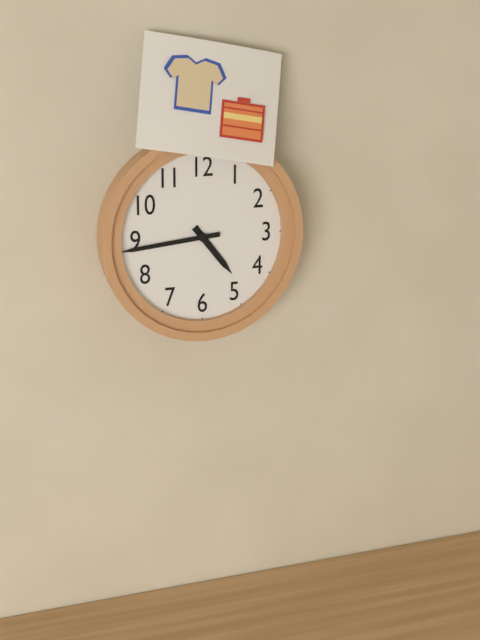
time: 4:44
